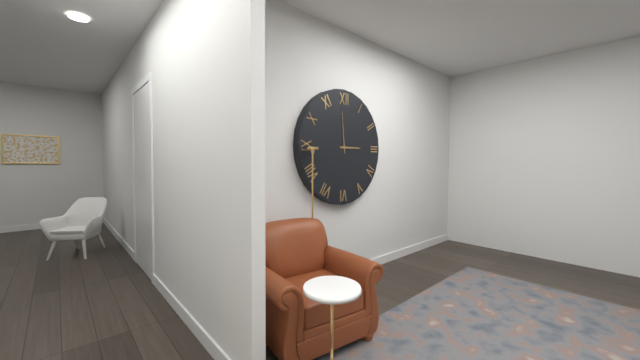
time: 2:59
